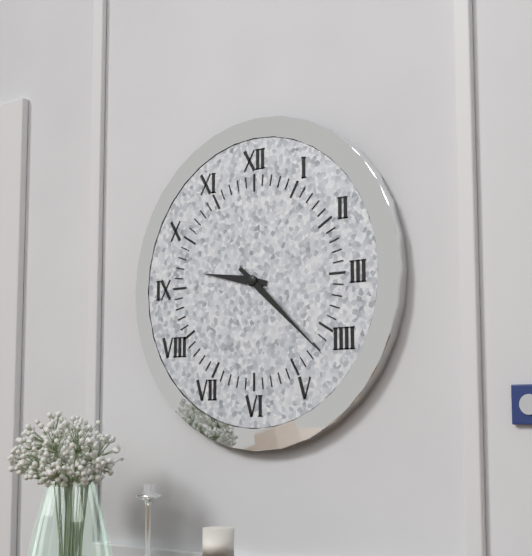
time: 9:22
